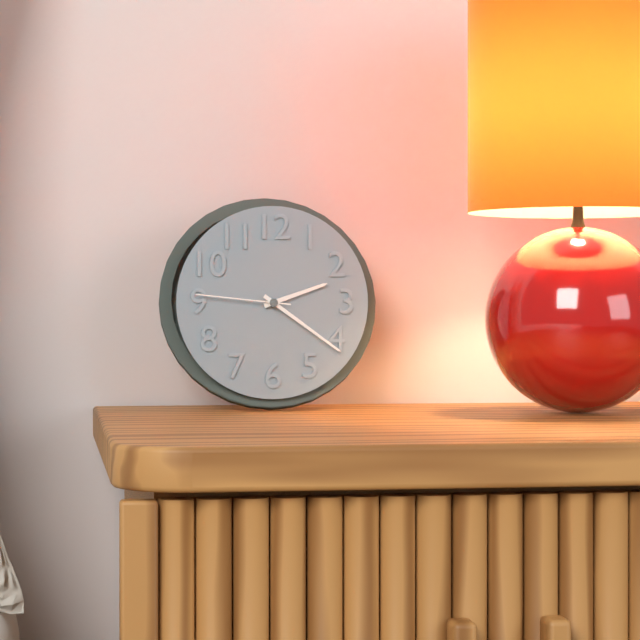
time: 2:21:46
